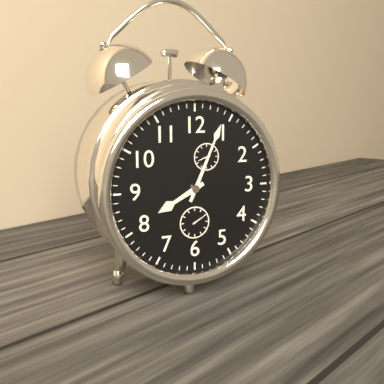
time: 8:04
